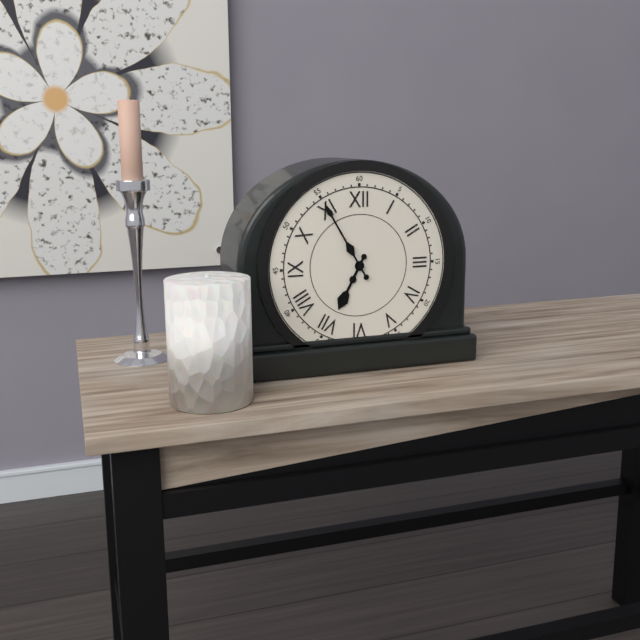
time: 6:55
